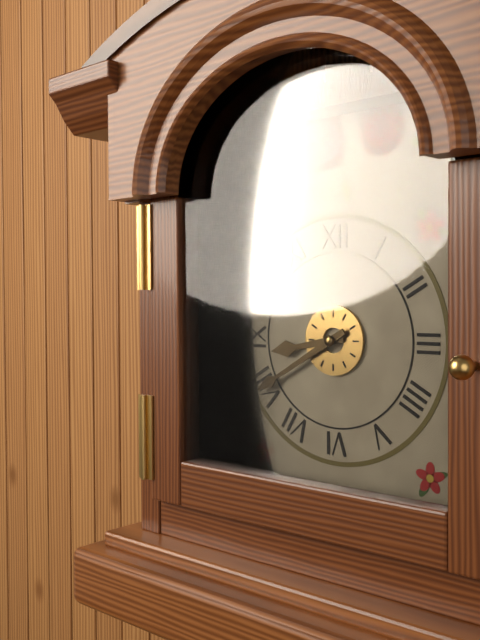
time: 8:40
